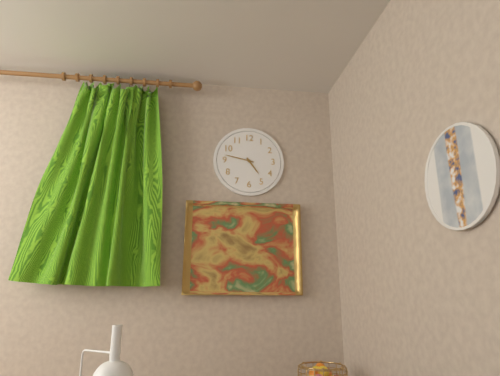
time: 4:47
